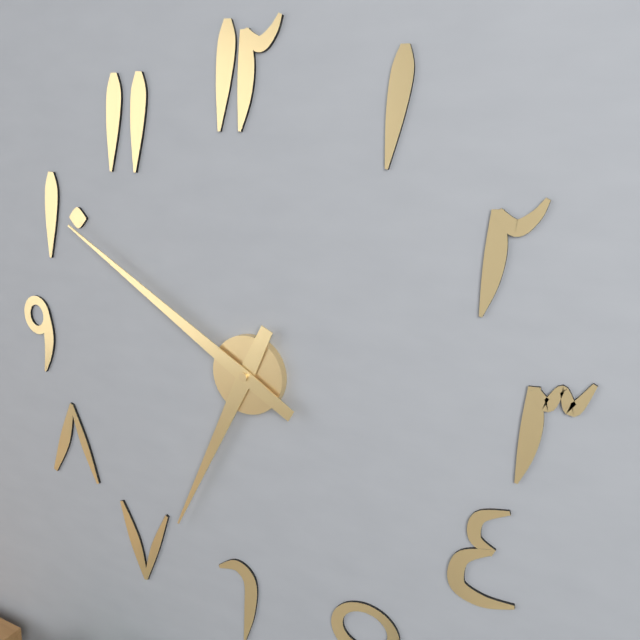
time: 6:50
